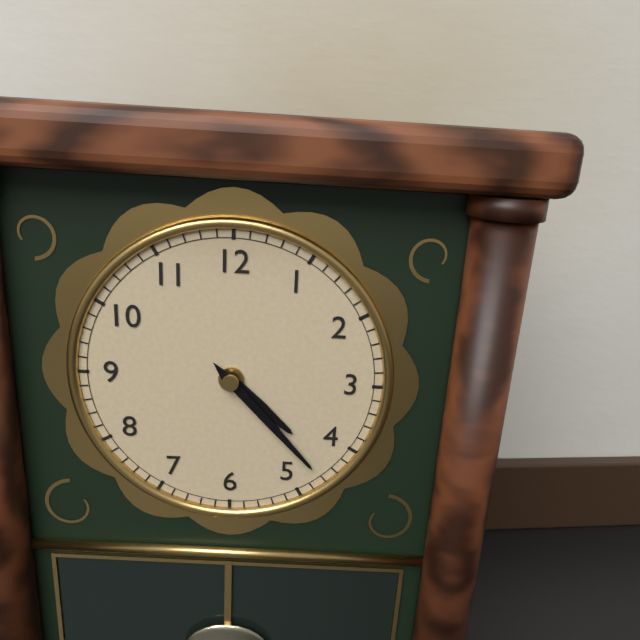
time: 4:23
